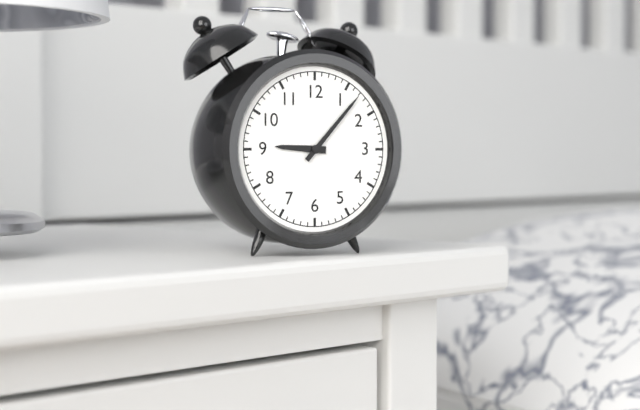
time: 9:07
